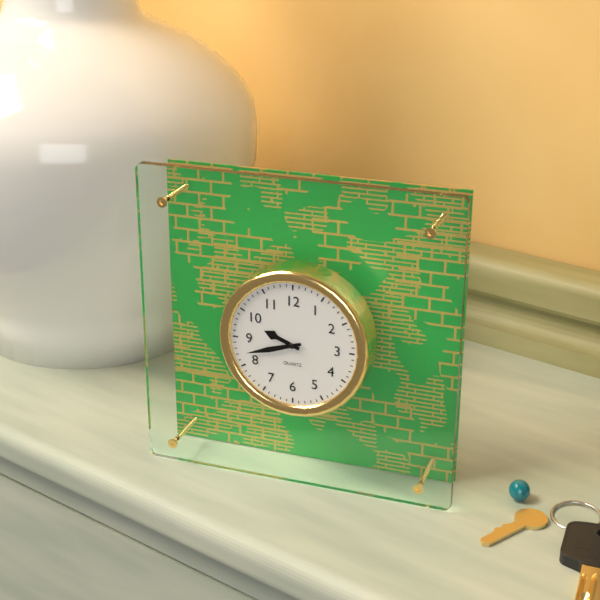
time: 9:42
